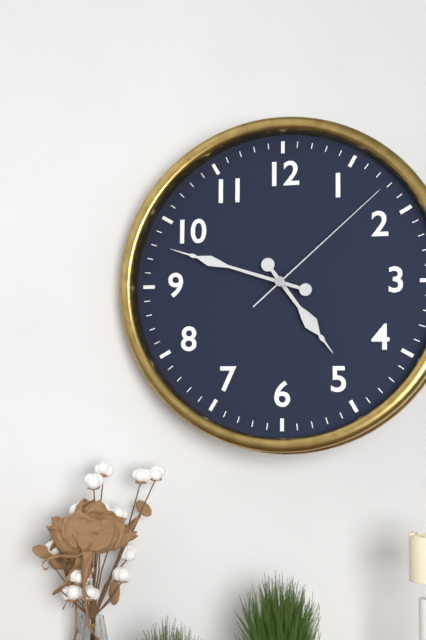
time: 4:48:08
